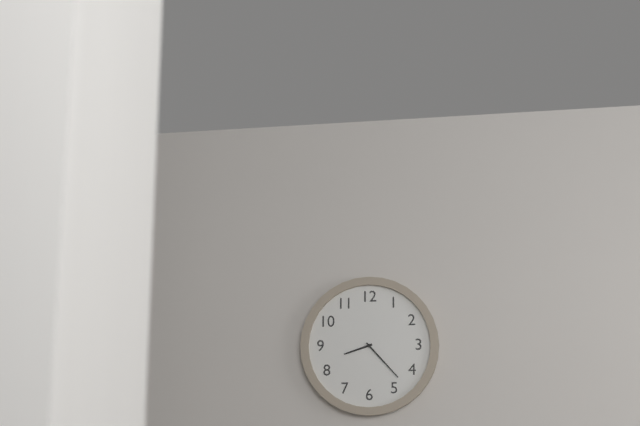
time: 8:23
